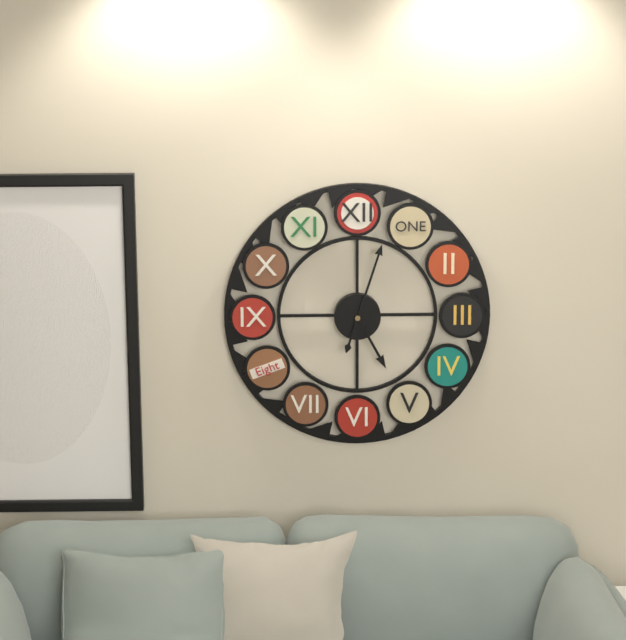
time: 5:03
